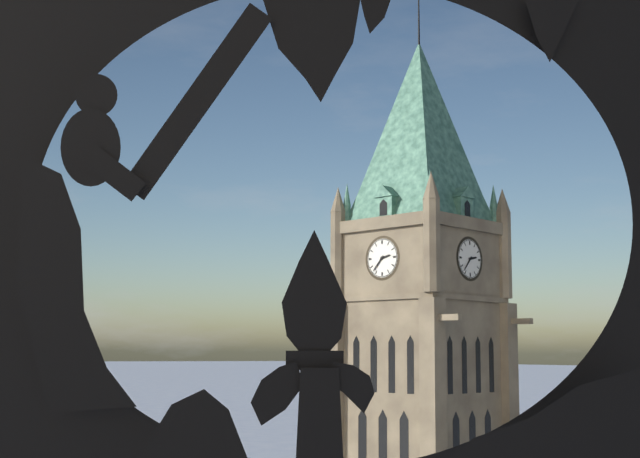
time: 2:37
